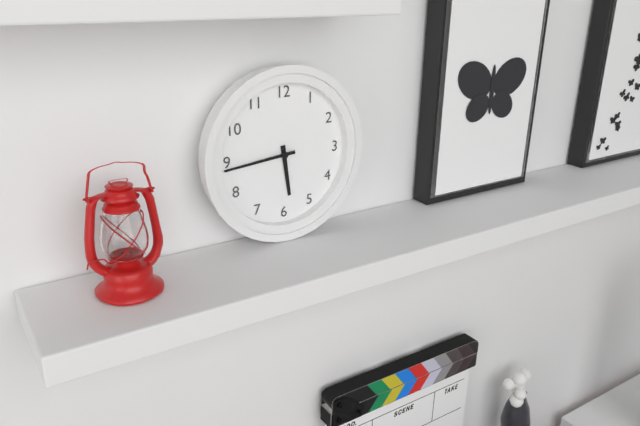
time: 5:44
